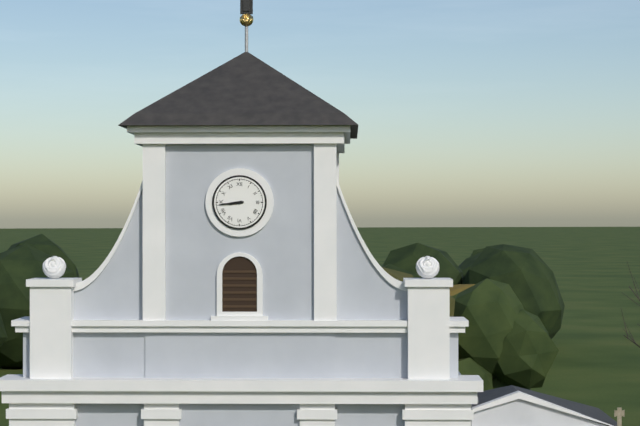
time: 8:44
